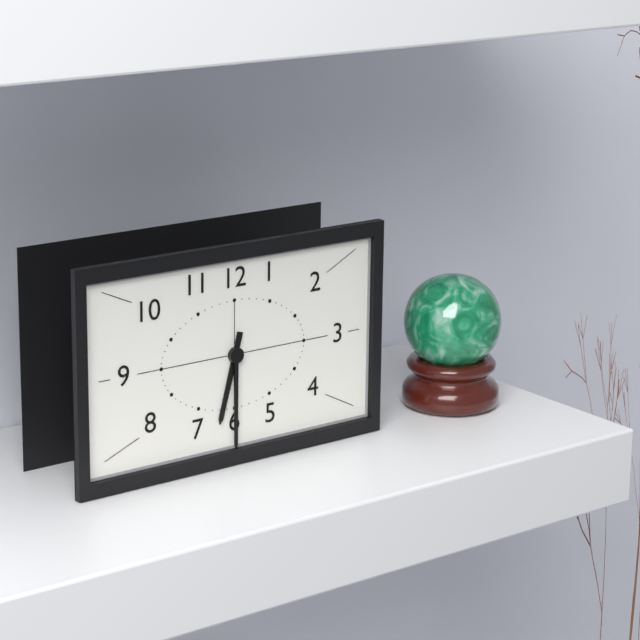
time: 6:30
